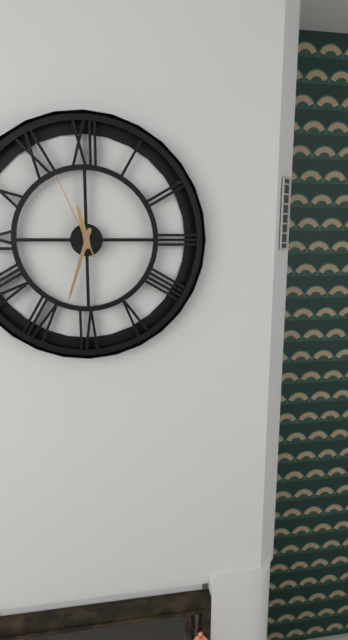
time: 11:33:56
